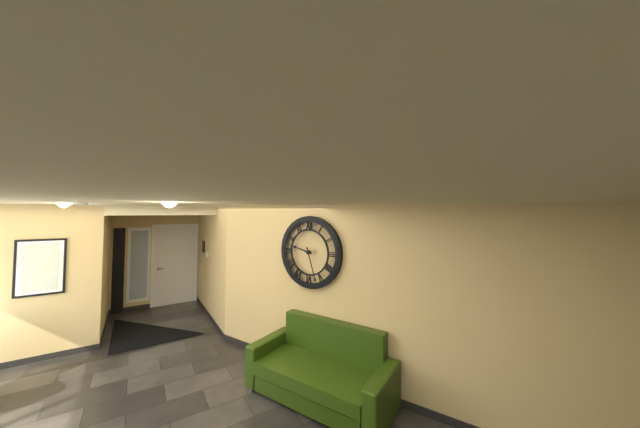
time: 9:27
